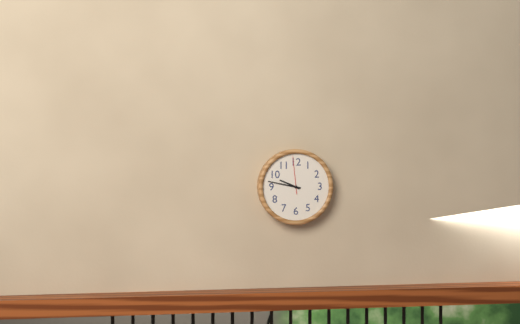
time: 9:47
